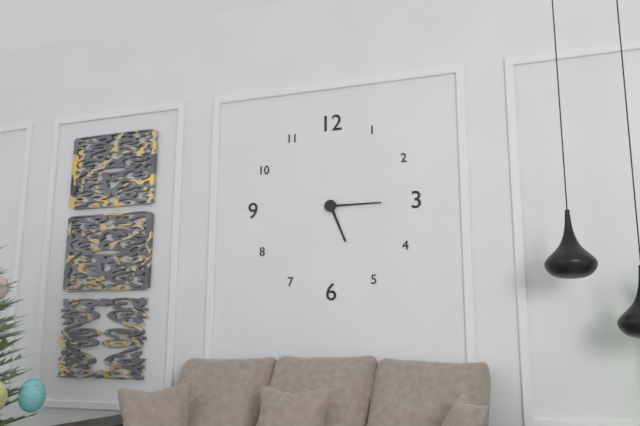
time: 5:15
